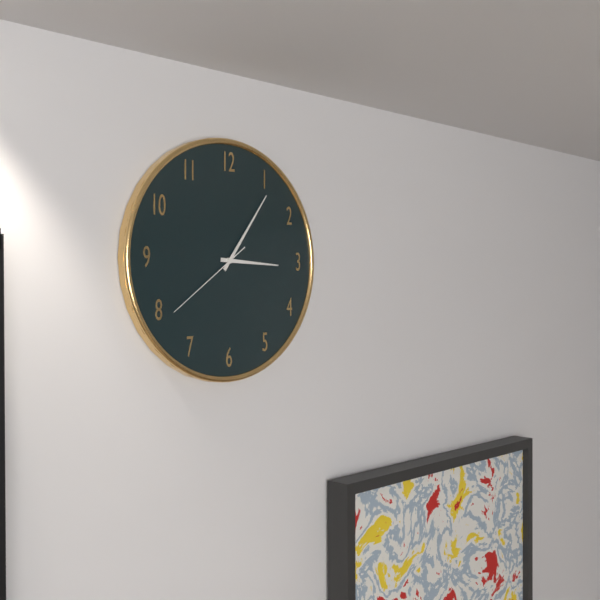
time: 3:06:39
